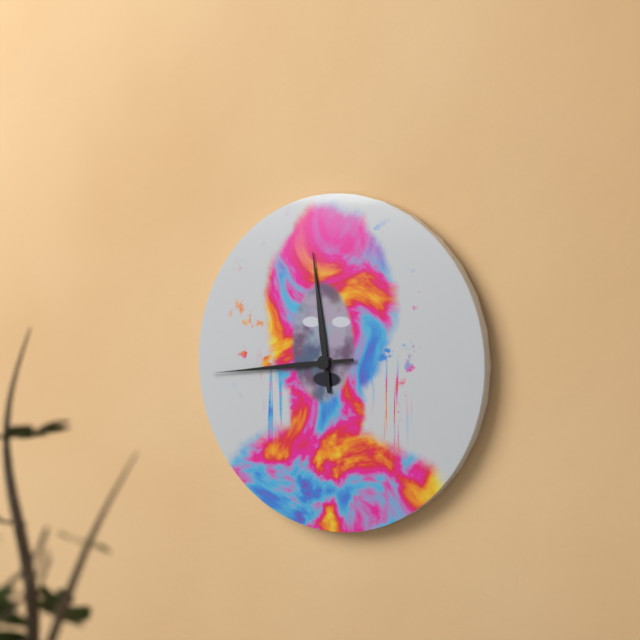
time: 11:44
